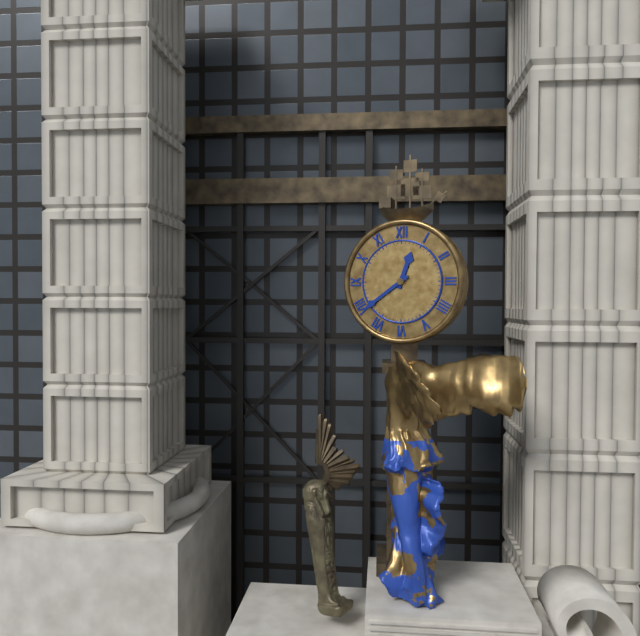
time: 12:39
